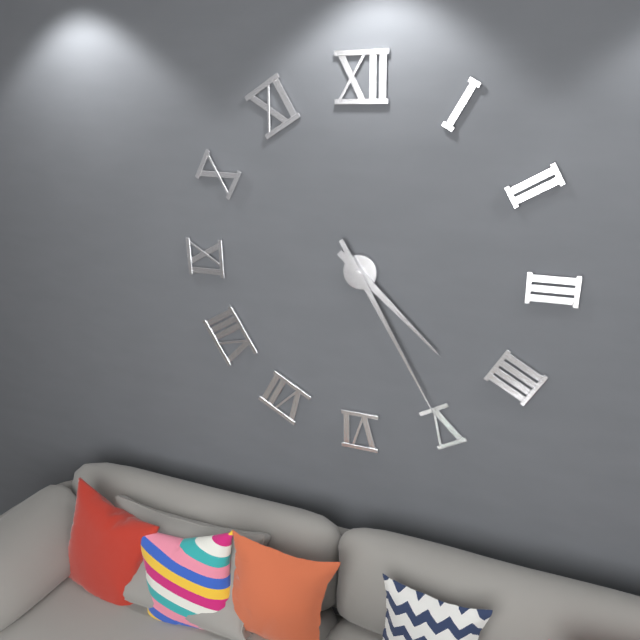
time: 4:25
